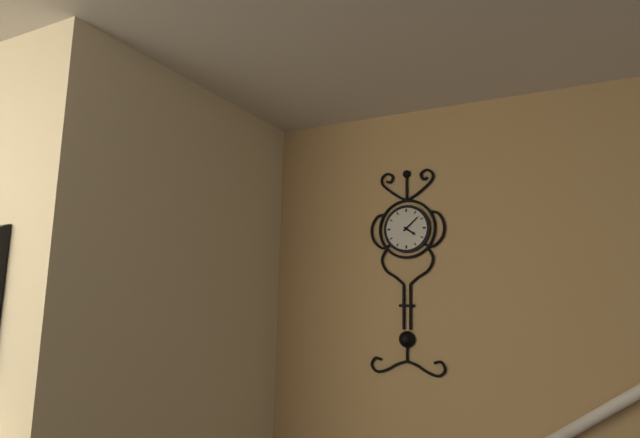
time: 4:08
